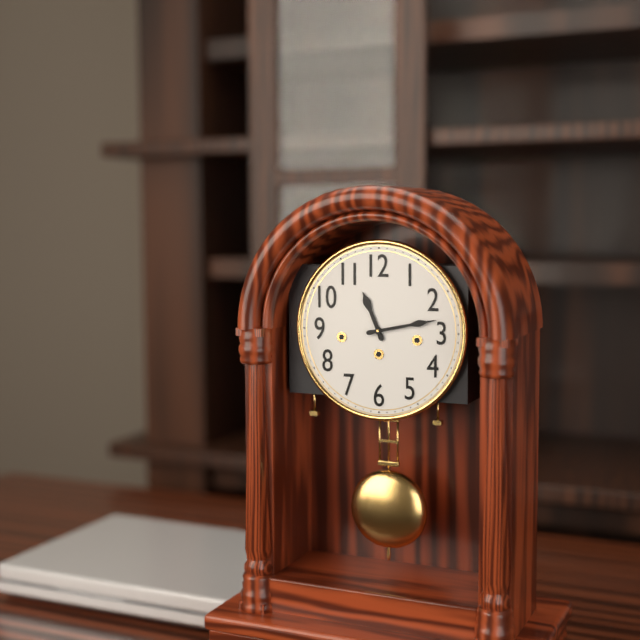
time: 11:13
